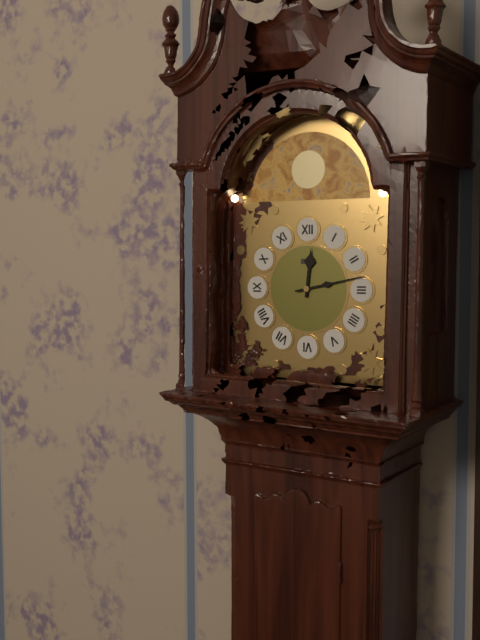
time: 12:13
